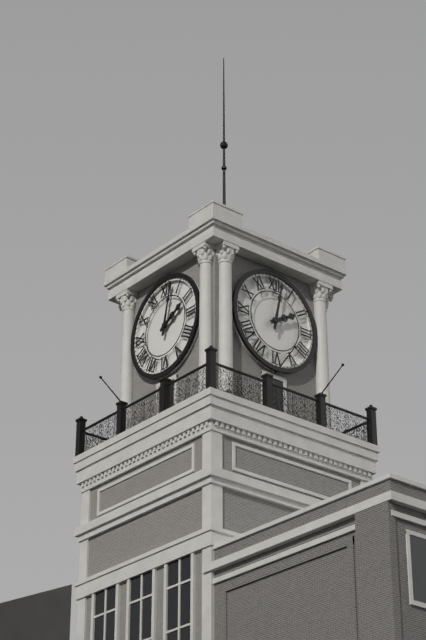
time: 2:02
